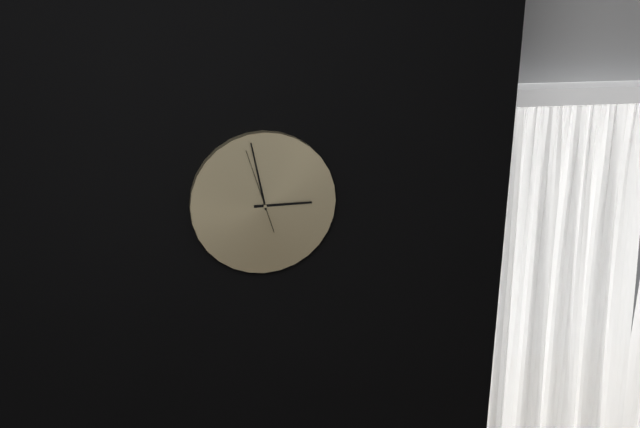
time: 2:58:57
